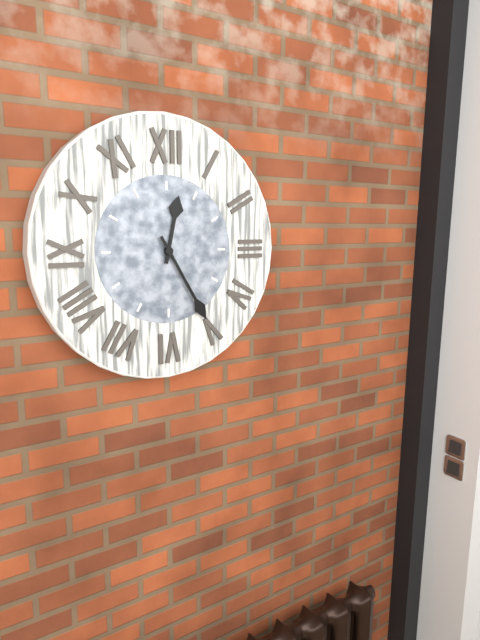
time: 12:25
